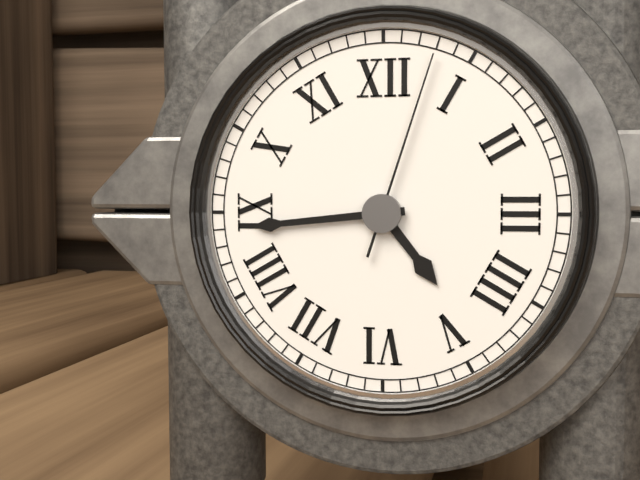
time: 4:44:03
